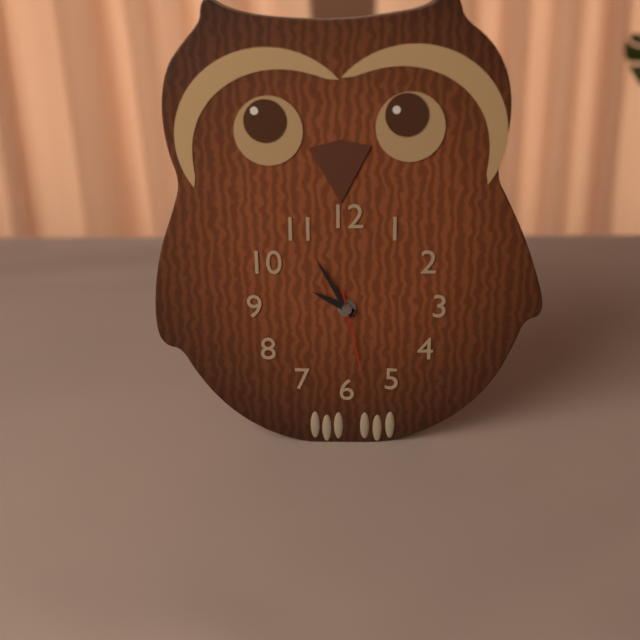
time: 9:55:28
